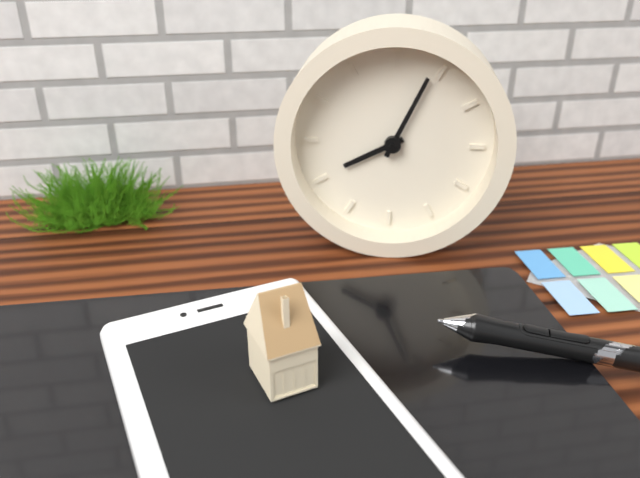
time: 8:04
